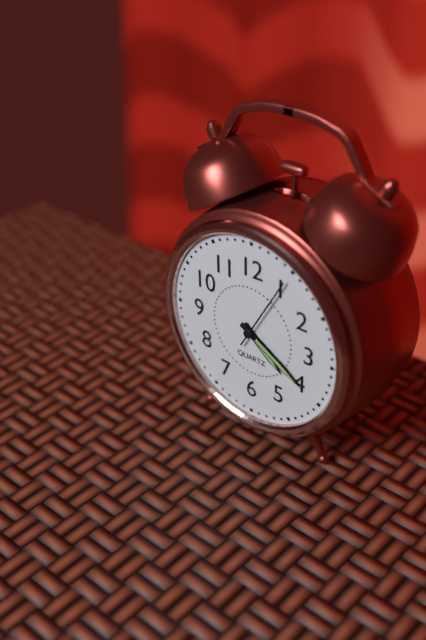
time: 4:20:05
